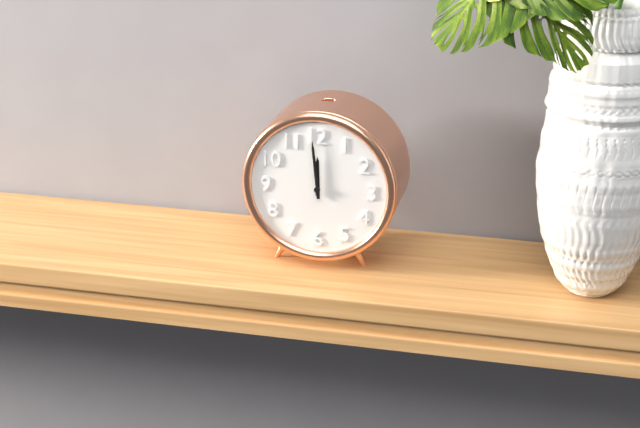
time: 11:59
